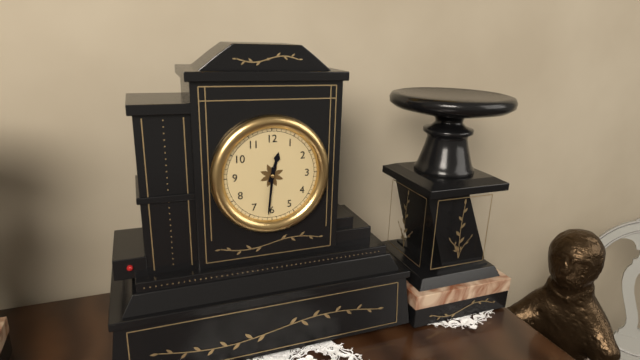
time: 12:31
